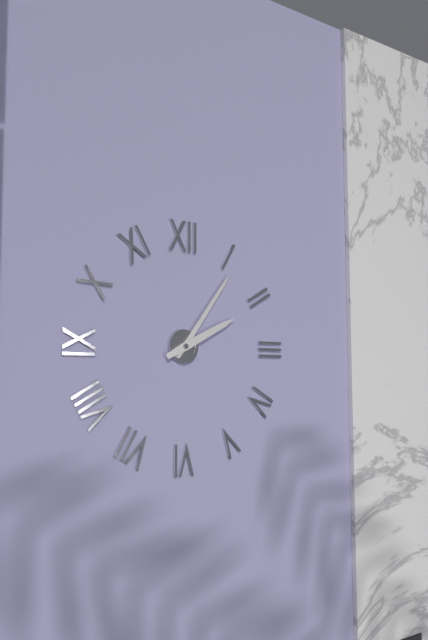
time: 2:06
